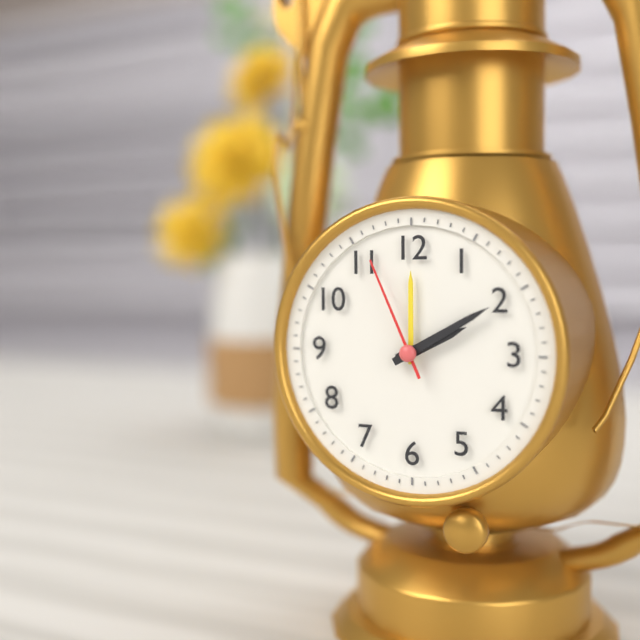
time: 2:10:56
